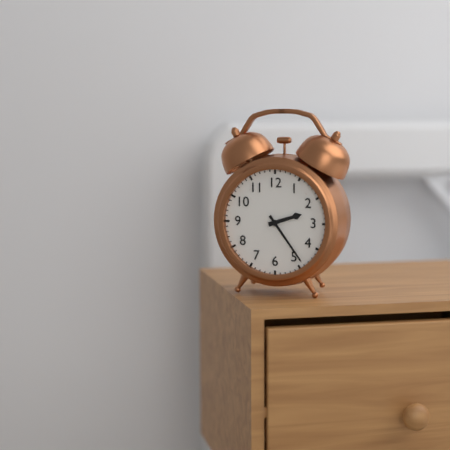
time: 2:24
